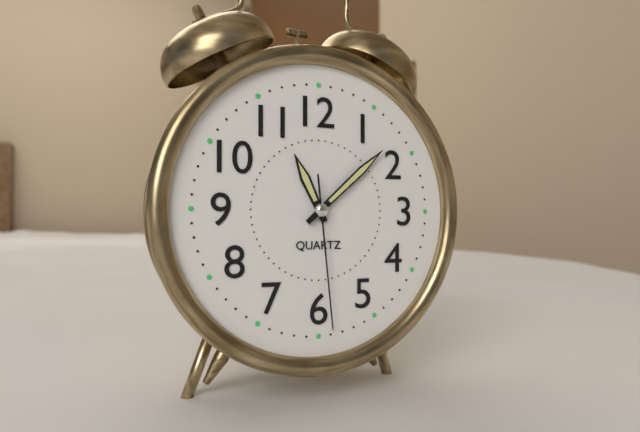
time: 11:08:29
